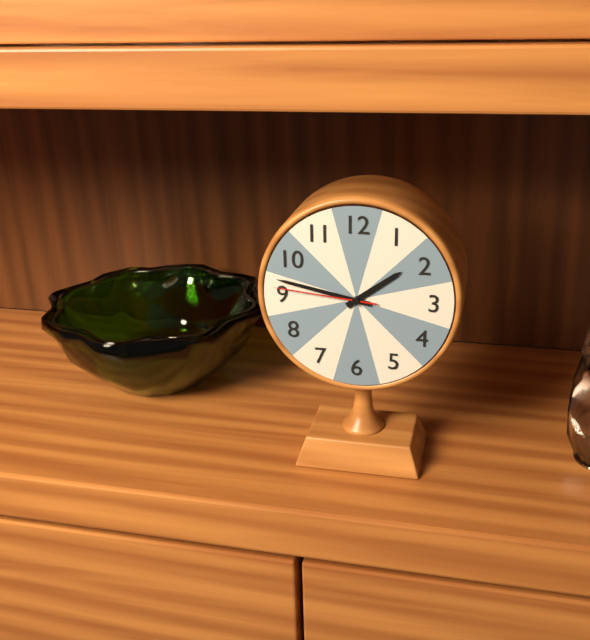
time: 1:47:46
